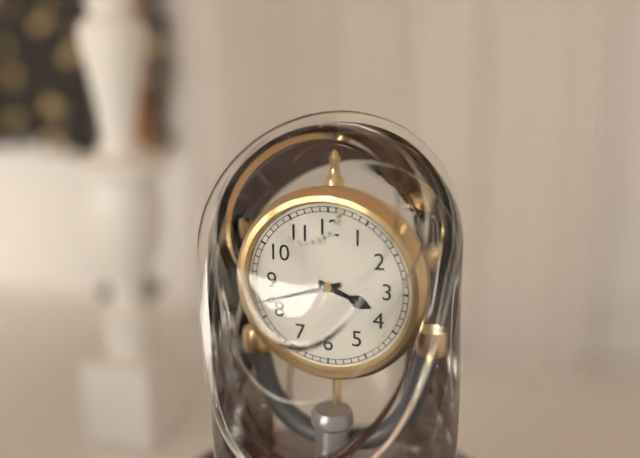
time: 3:42
